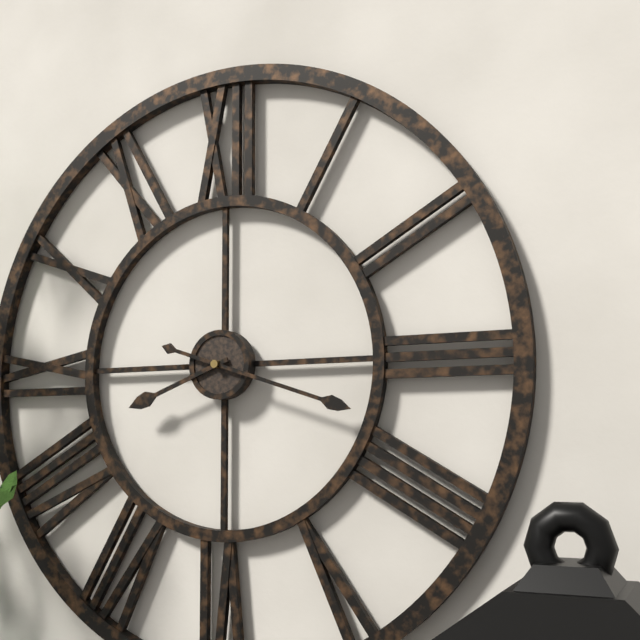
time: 8:18
